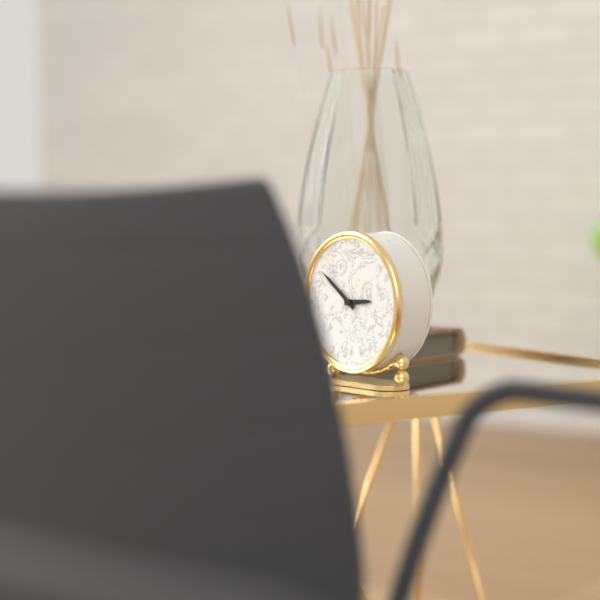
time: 2:51
